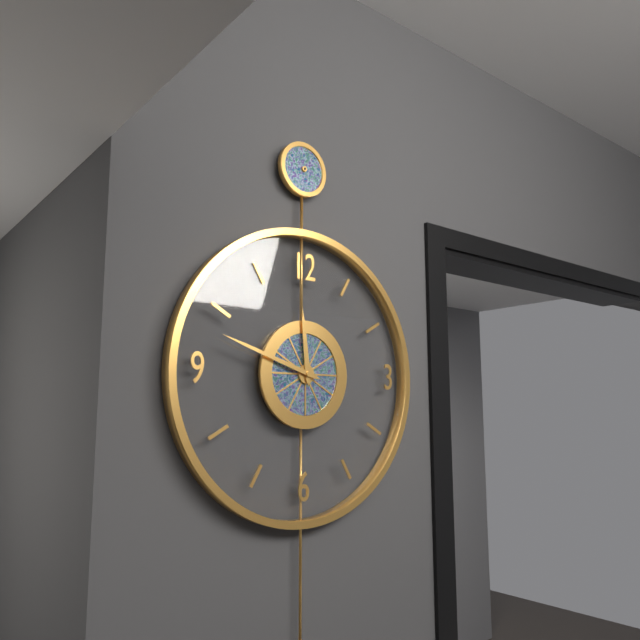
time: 11:48
